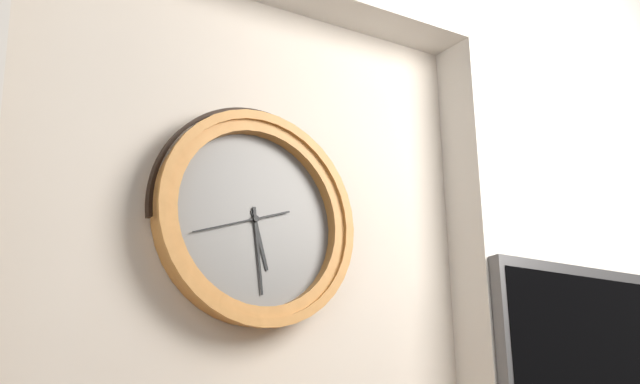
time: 5:29:42
